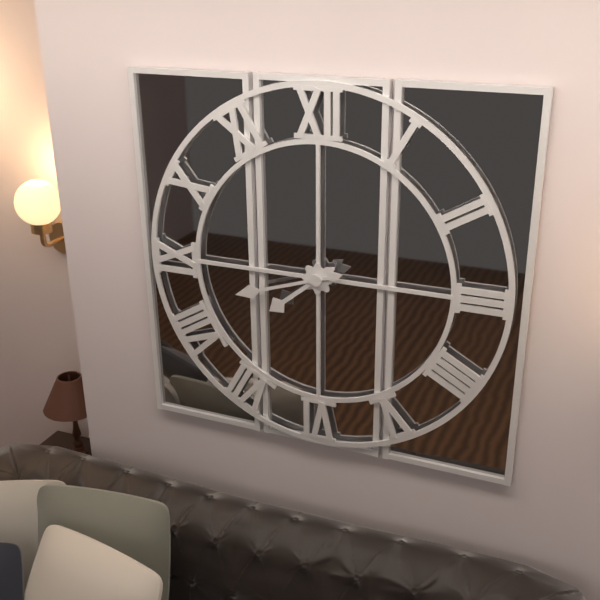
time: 7:42
